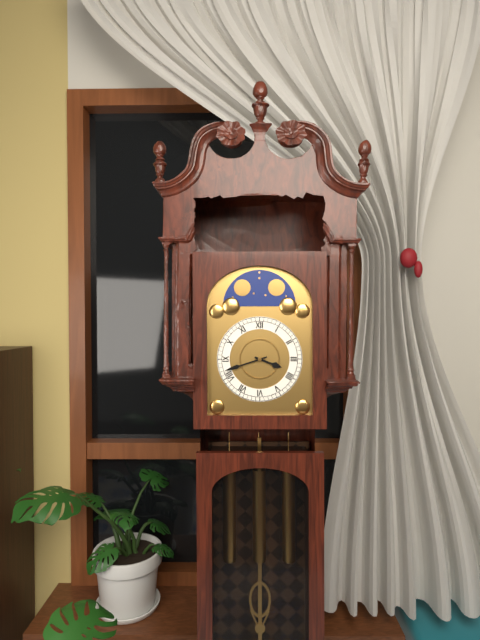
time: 3:42
